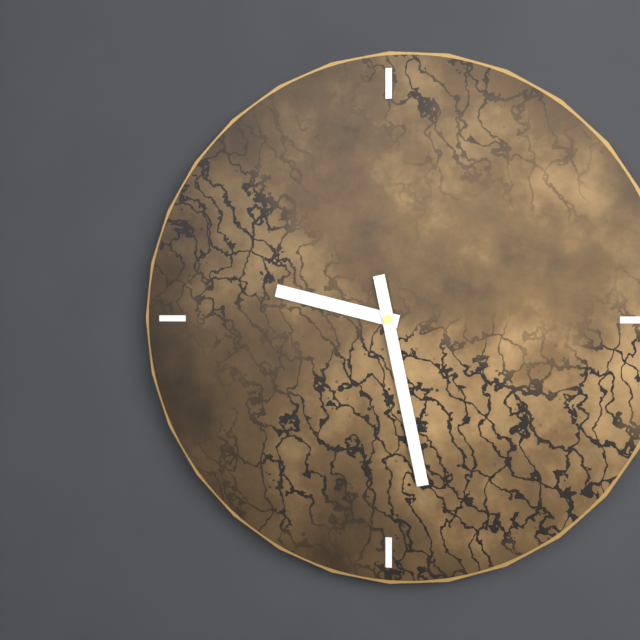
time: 9:28
